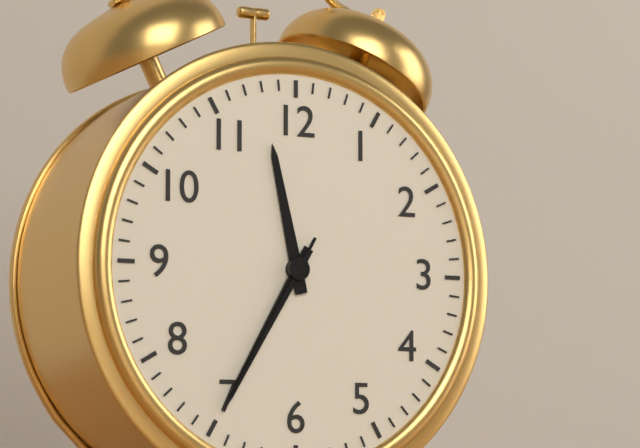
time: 11:35:35
